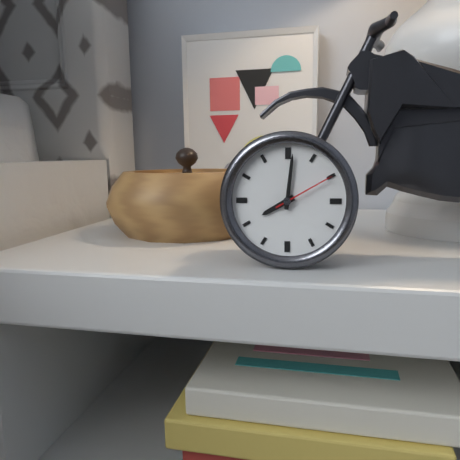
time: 8:01:10
